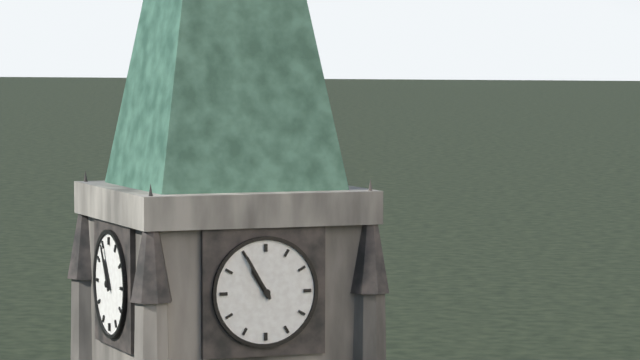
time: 10:55
